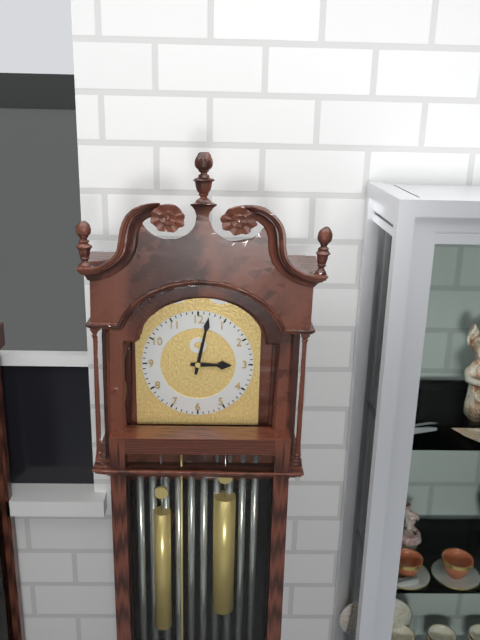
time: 3:02
